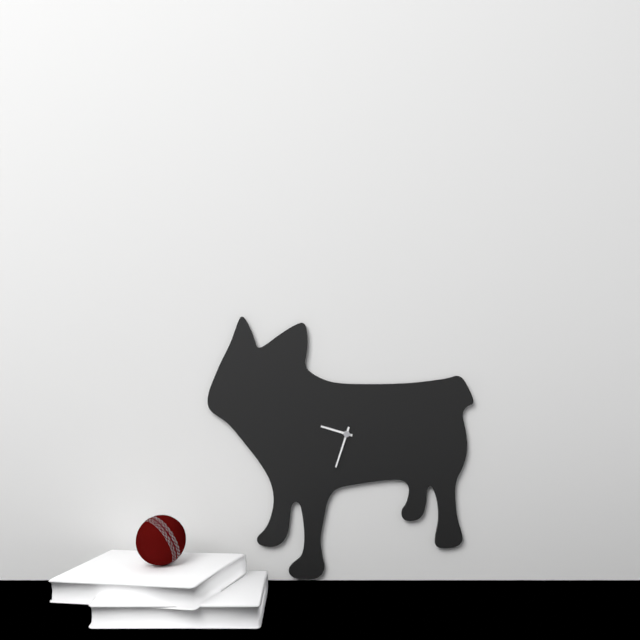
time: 9:33
